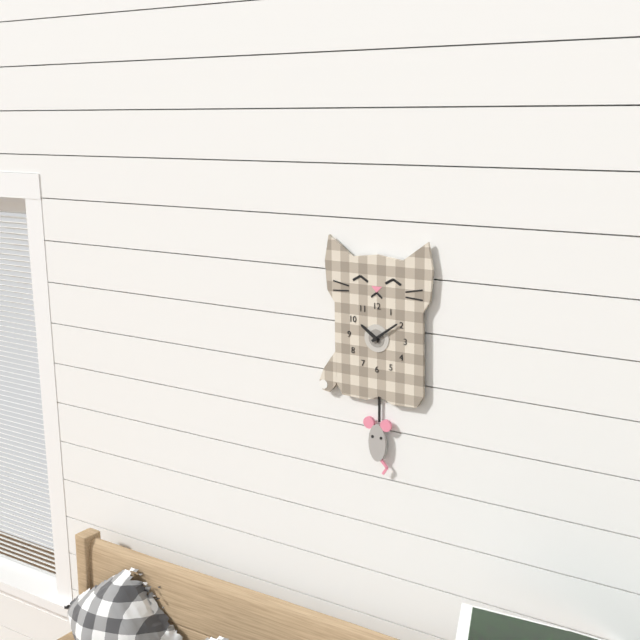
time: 10:09
